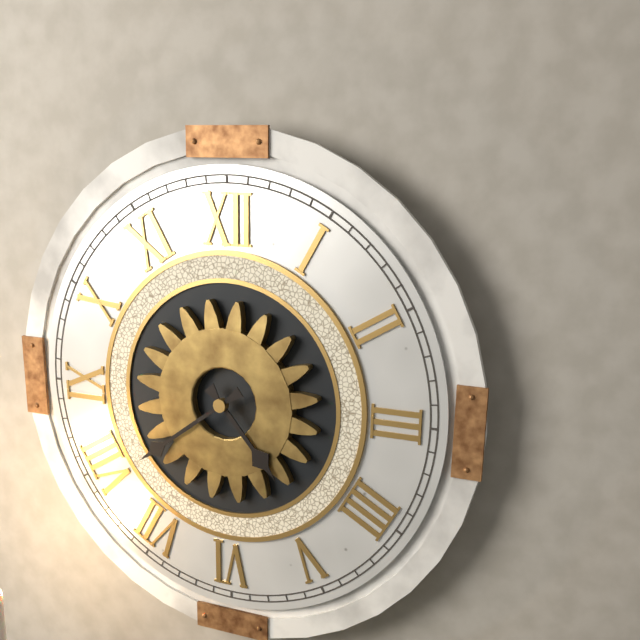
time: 4:39
